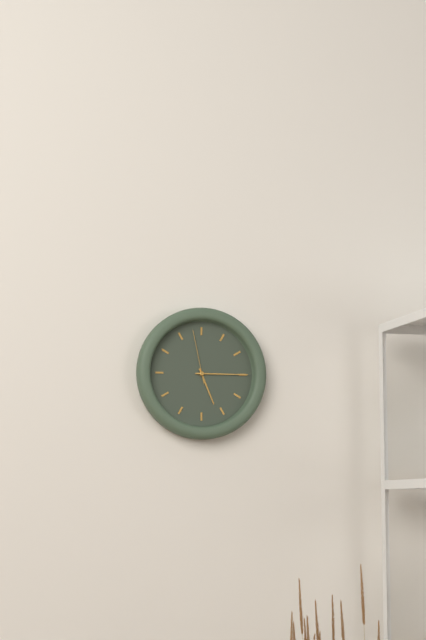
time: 5:15:58
